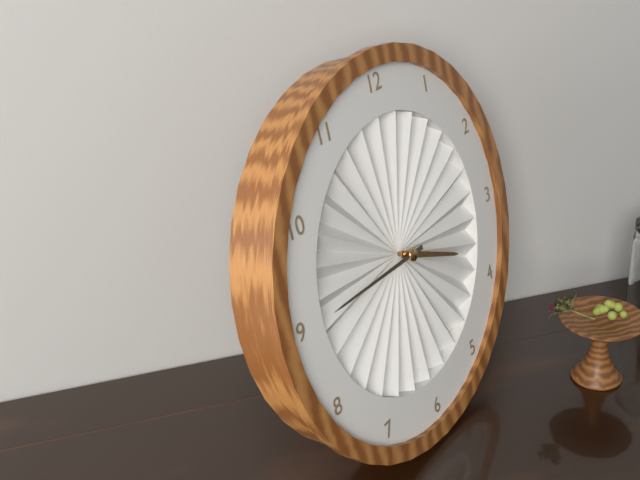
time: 3:45
